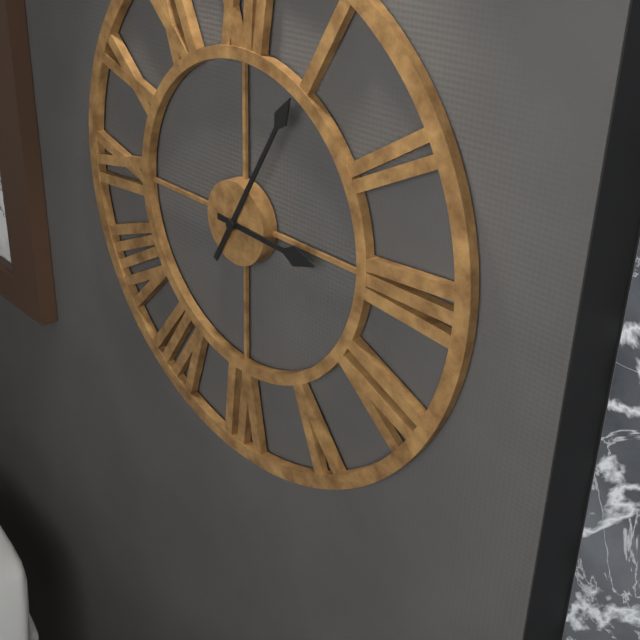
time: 3:05
